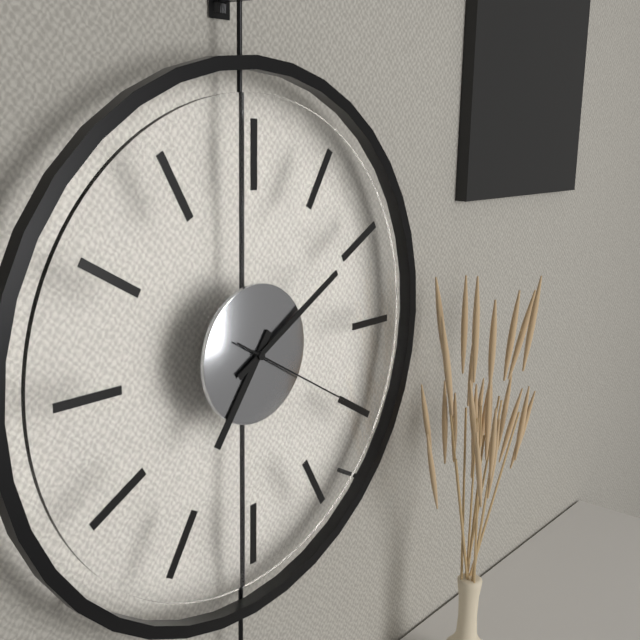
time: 7:10:20
